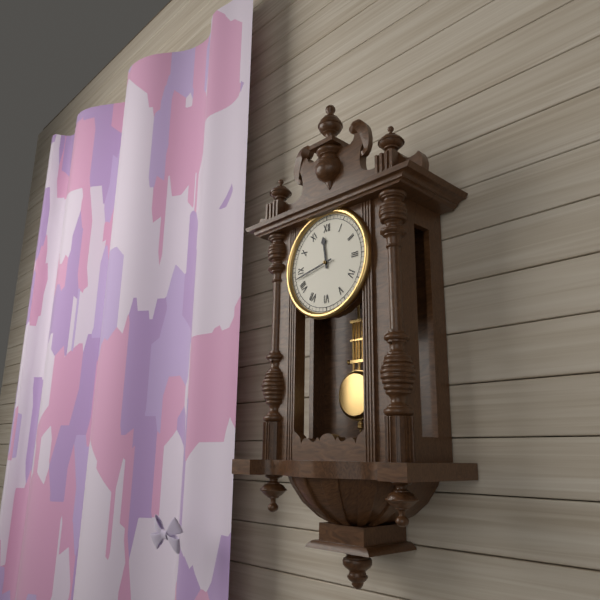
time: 11:43
